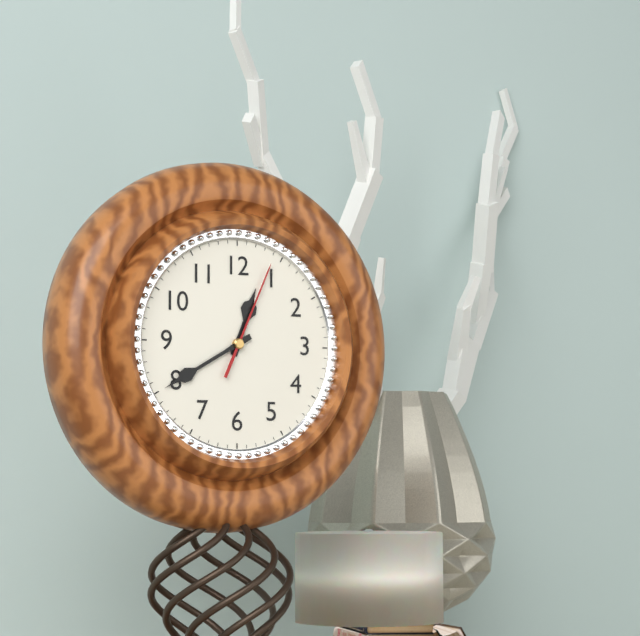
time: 12:40:04
